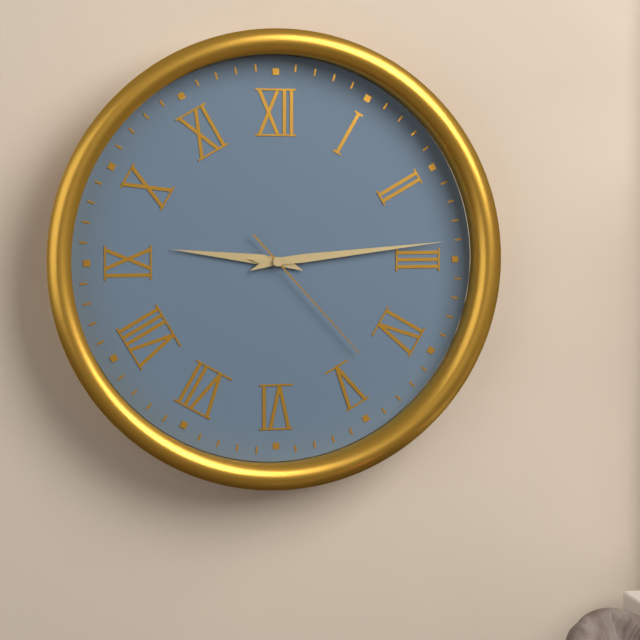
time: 9:14:23
